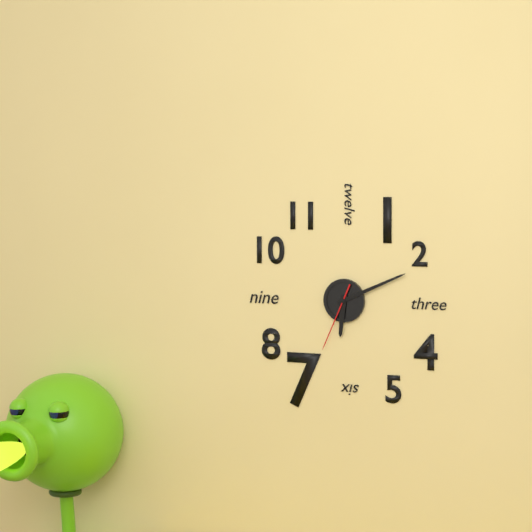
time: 6:11:34
